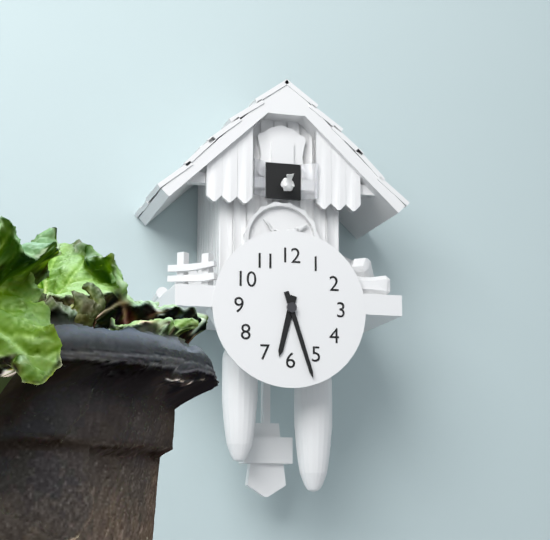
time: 6:27
